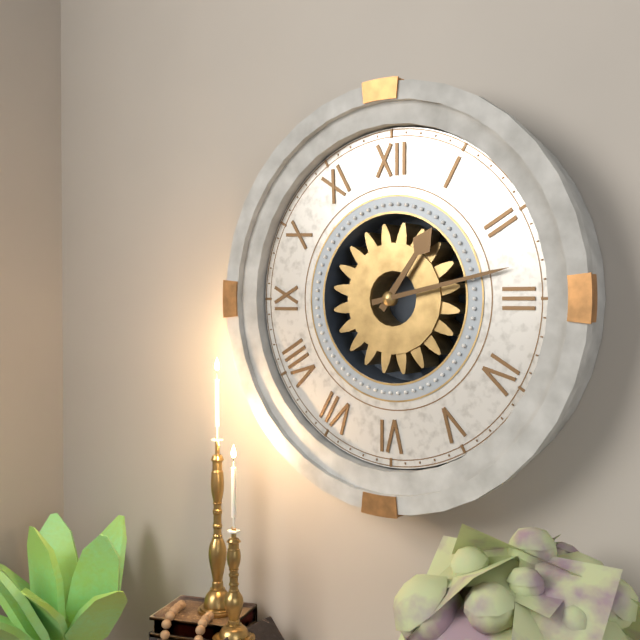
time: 1:13
